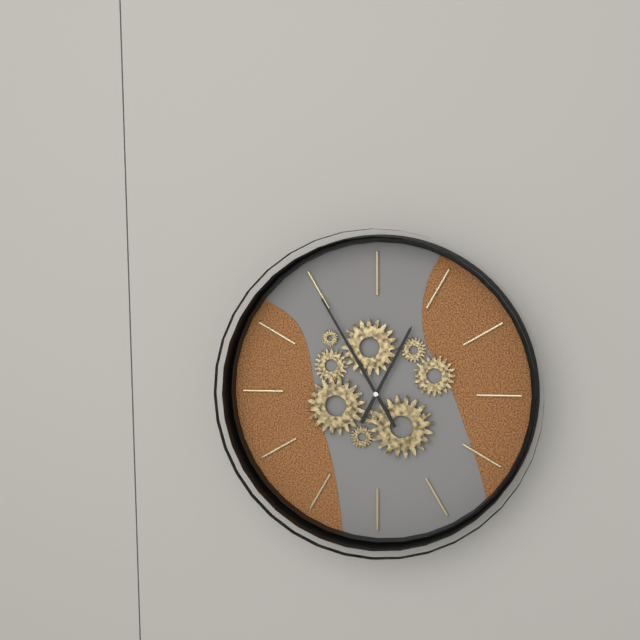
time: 12:55
